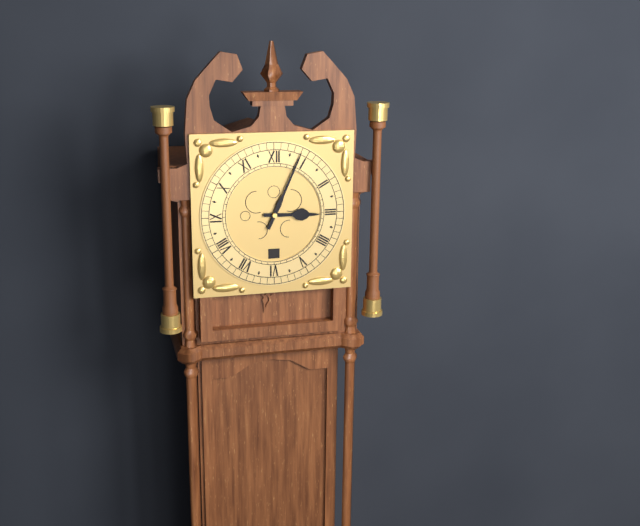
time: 3:04
